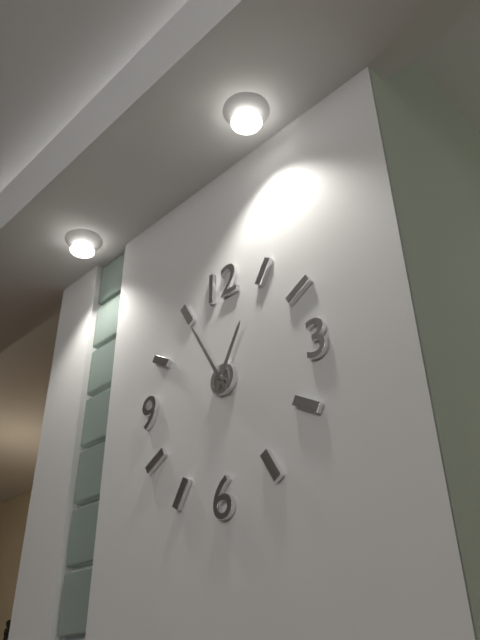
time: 12:55
